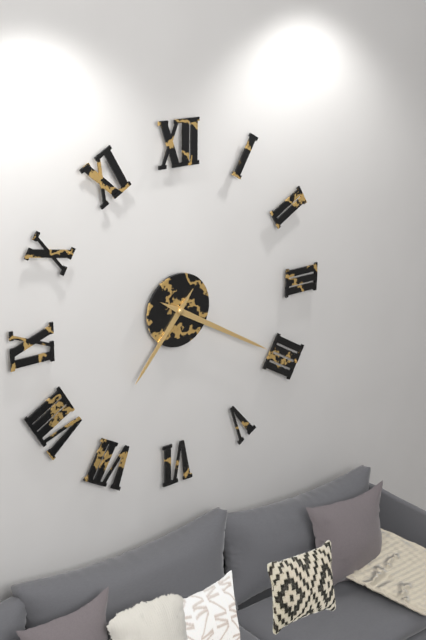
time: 7:20
